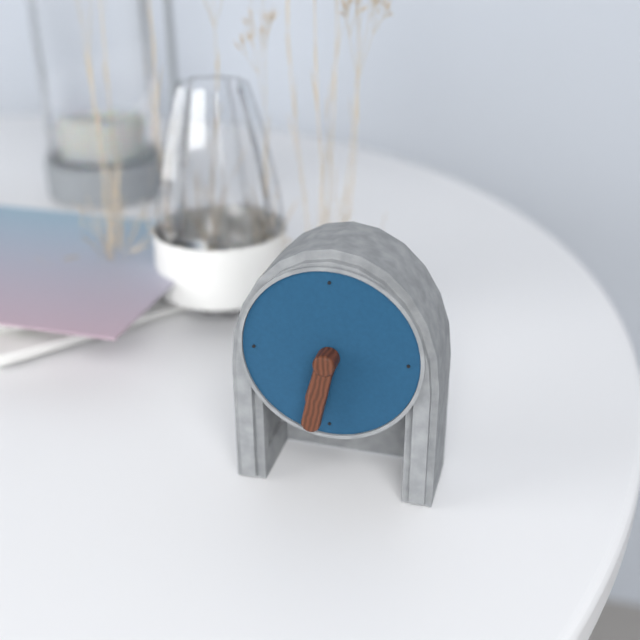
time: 6:32
